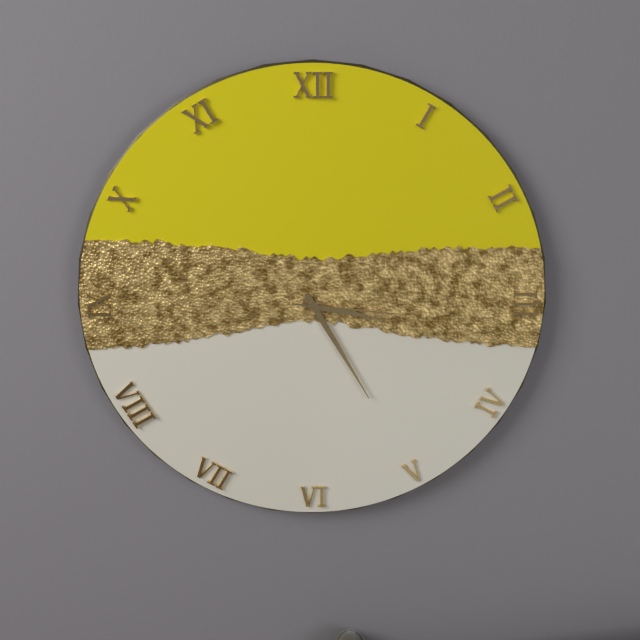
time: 3:25:16
